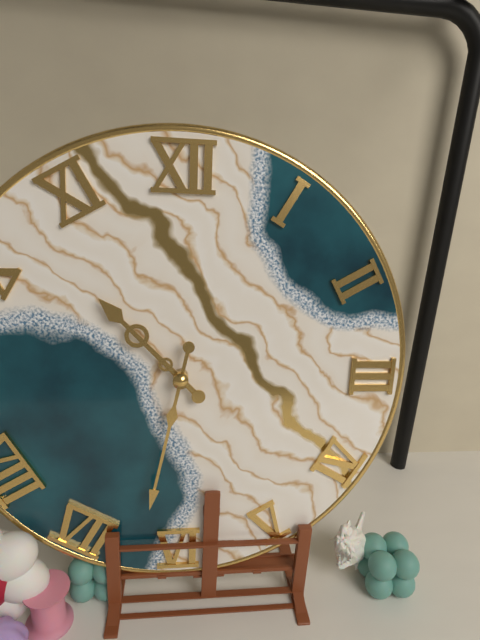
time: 10:32
